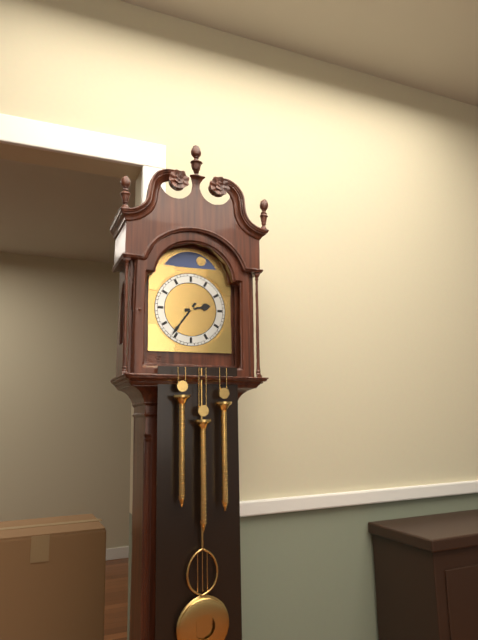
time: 2:36
